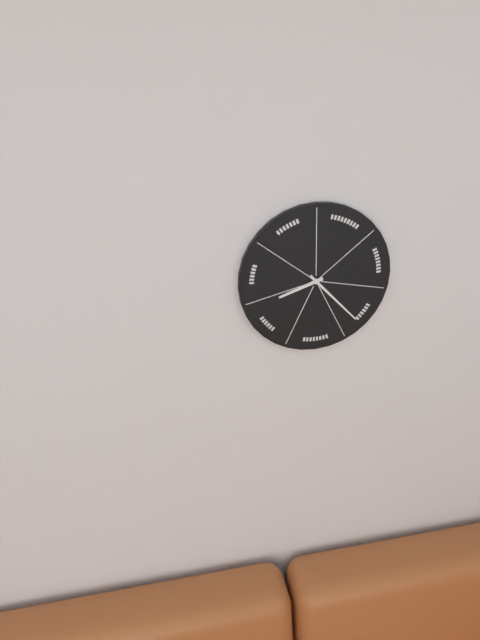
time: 8:23
